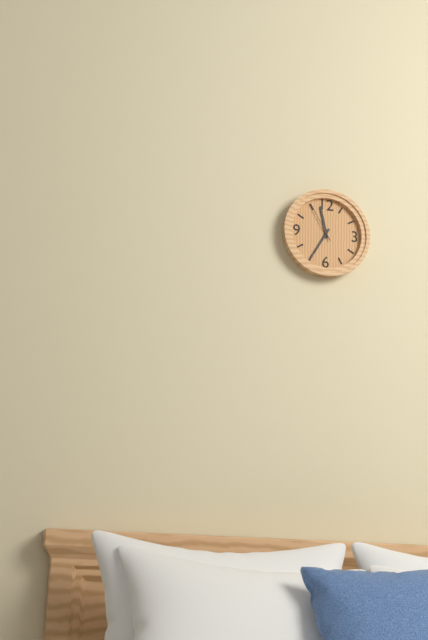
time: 11:35
